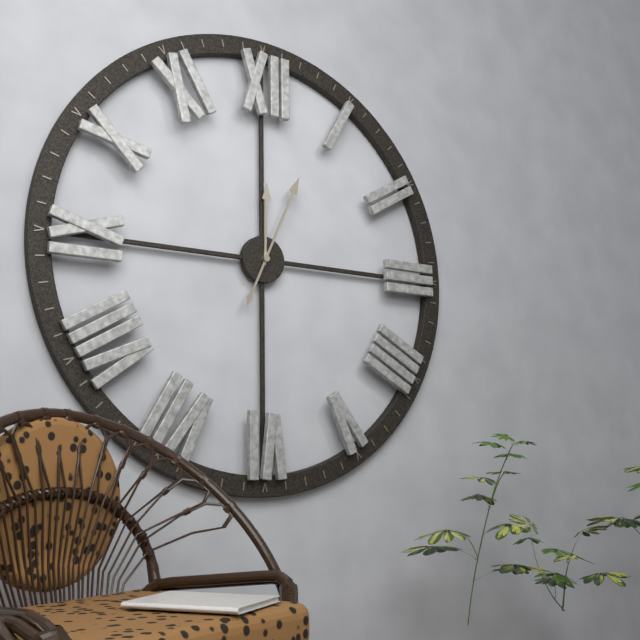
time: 12:04
